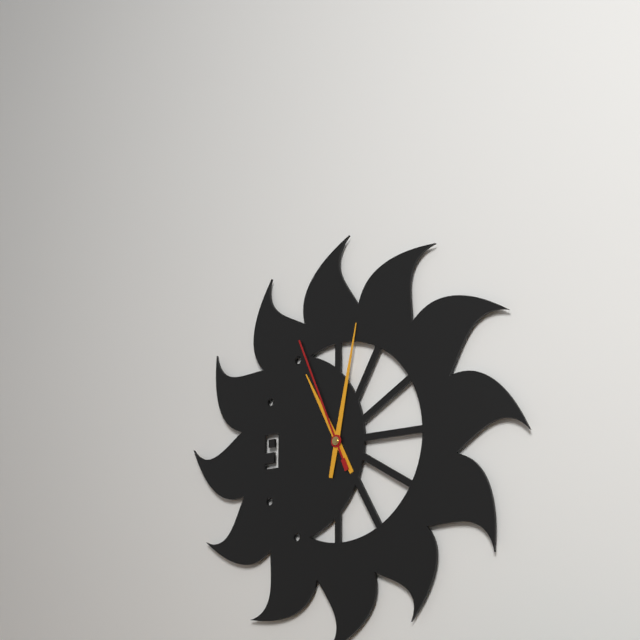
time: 11:02:56
